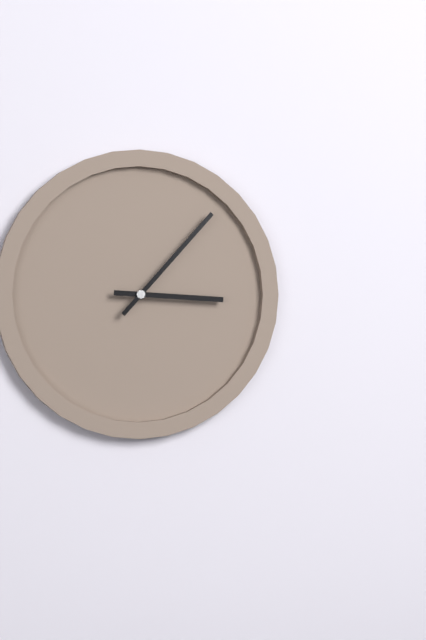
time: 3:07
